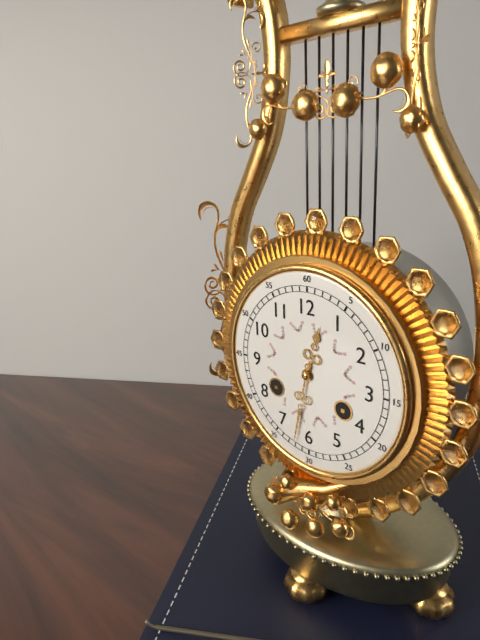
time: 12:32
